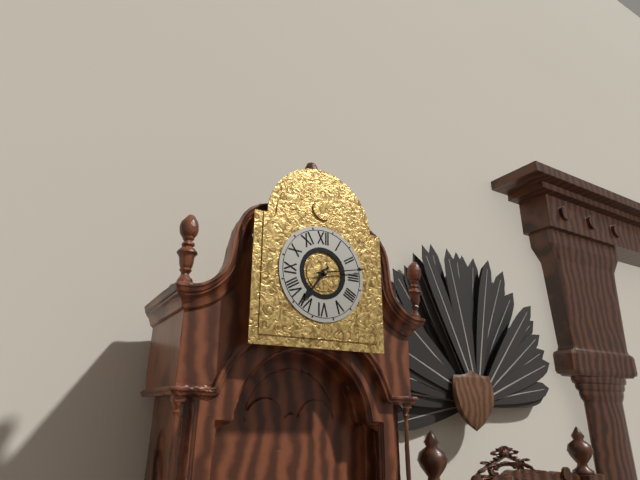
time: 7:13
